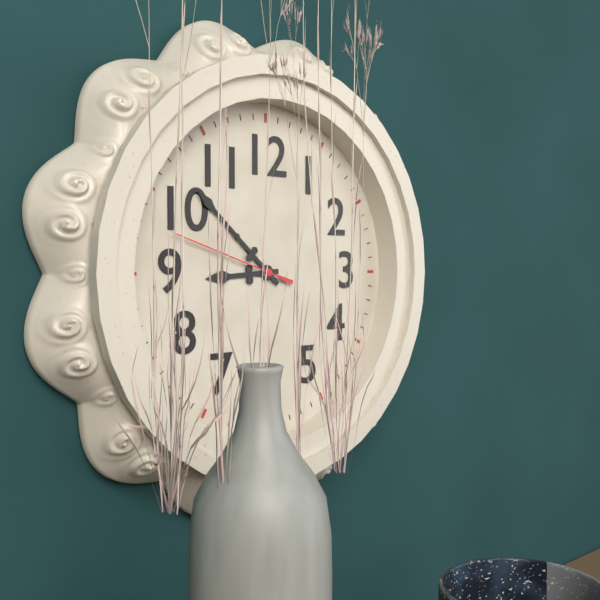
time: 8:52:48
